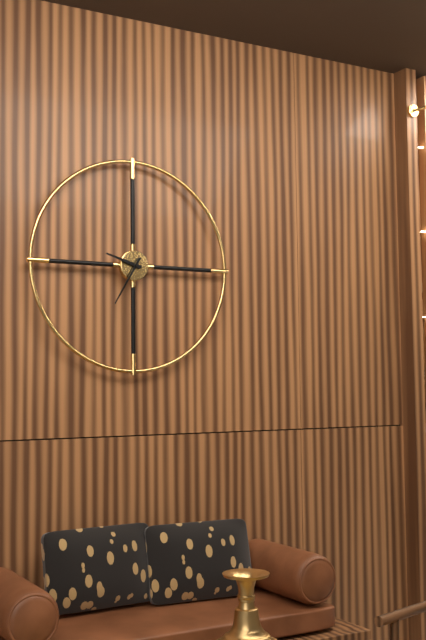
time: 9:35
